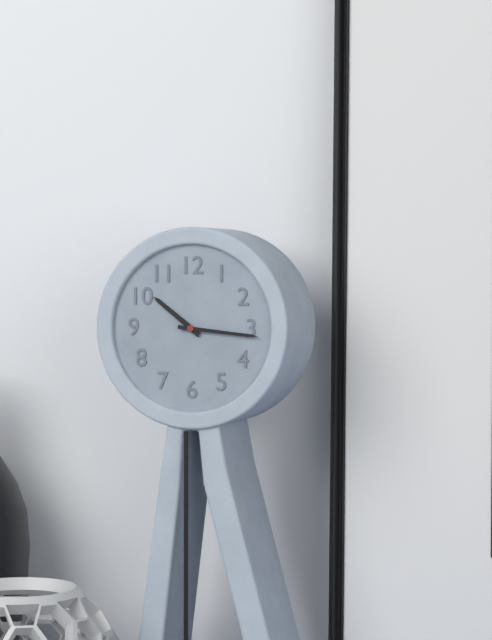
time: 10:16
